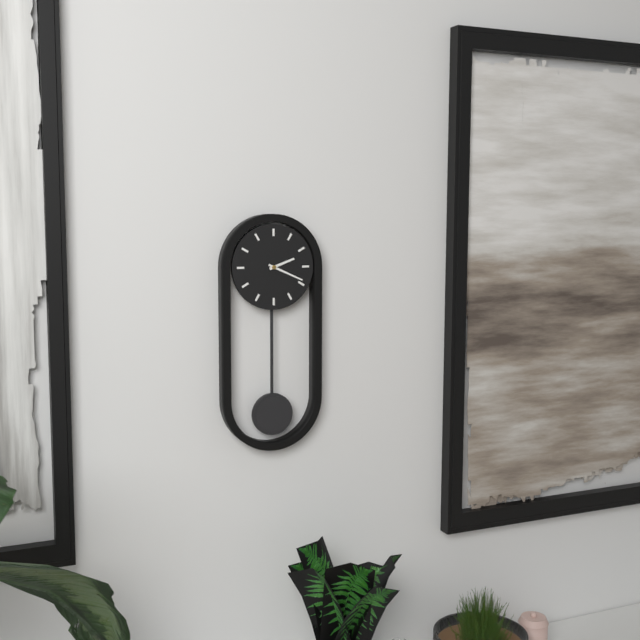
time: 2:19
